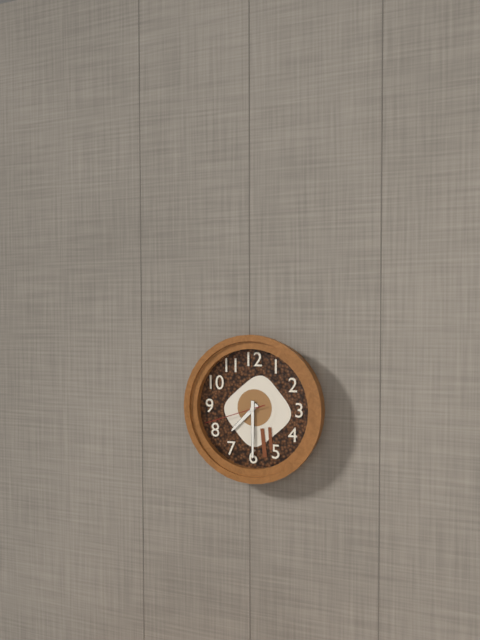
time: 7:30:42
